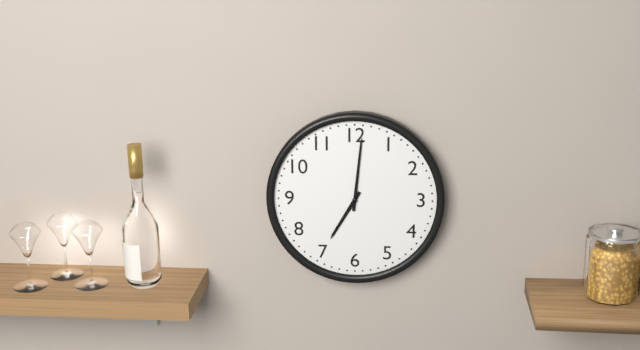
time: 7:01
